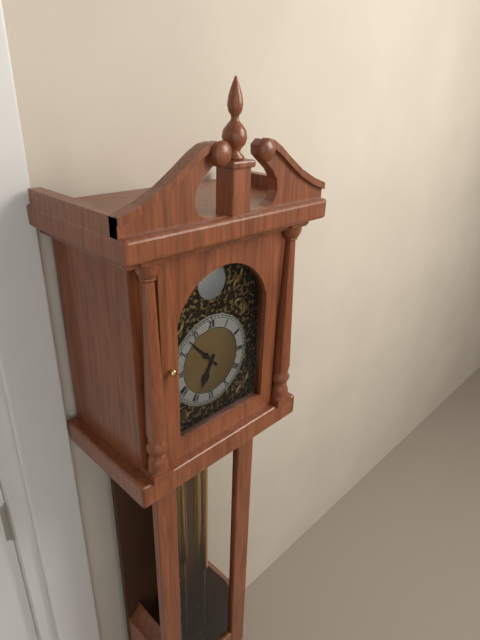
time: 6:53
